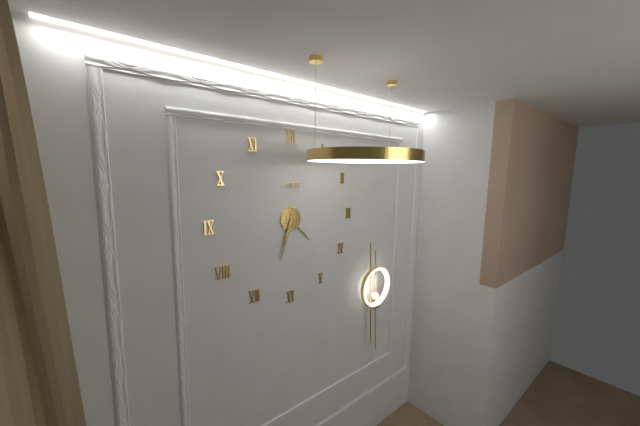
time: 4:33
